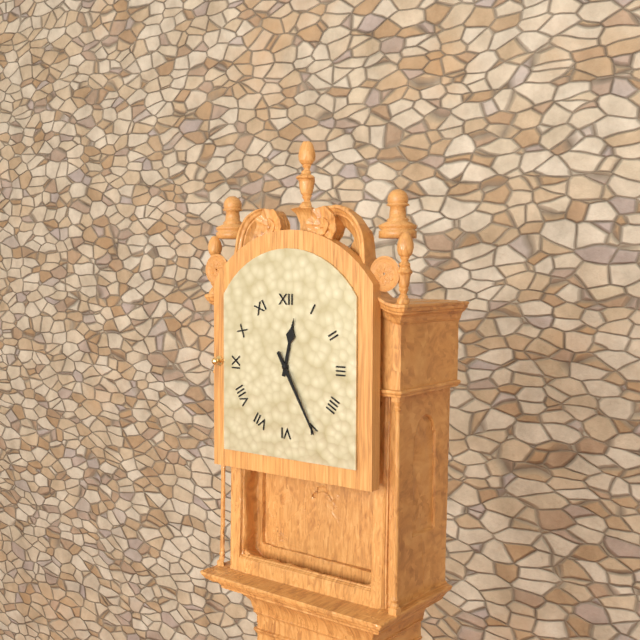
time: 12:25
